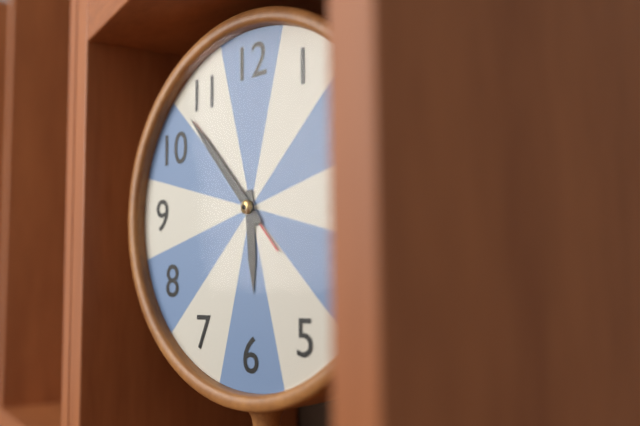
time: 5:53:53
